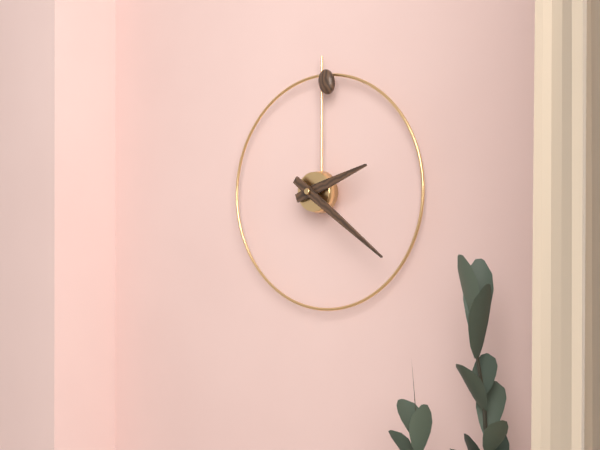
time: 2:21
